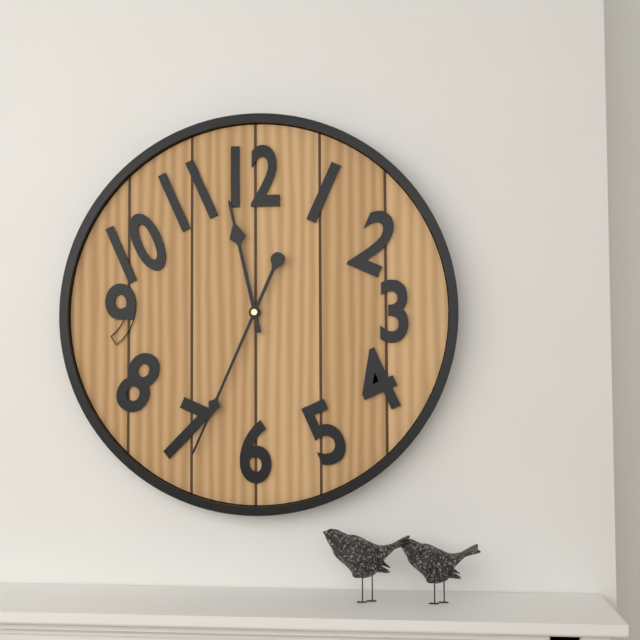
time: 11:34
